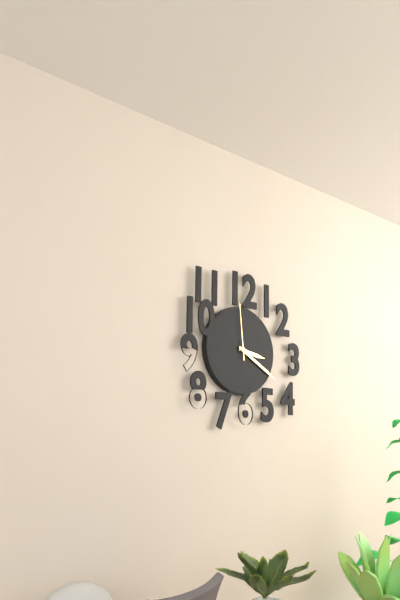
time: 3:20:59
